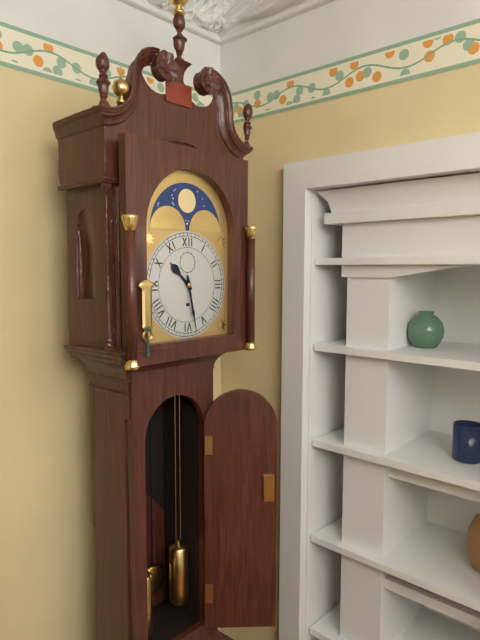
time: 10:28
